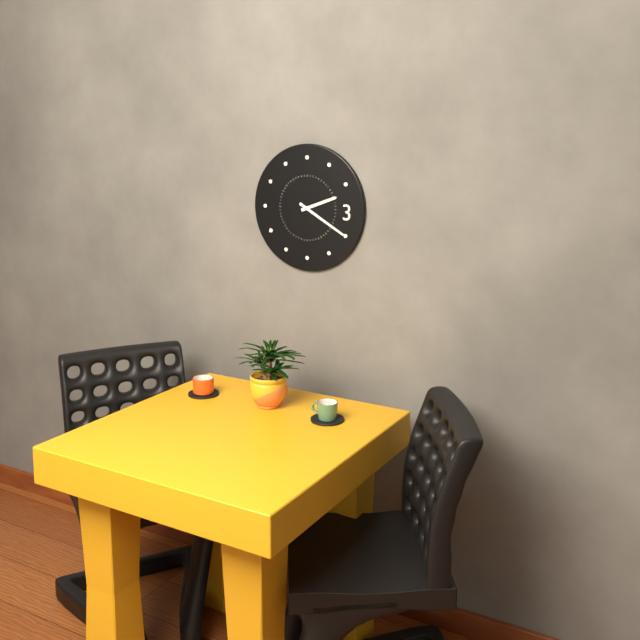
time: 2:20
